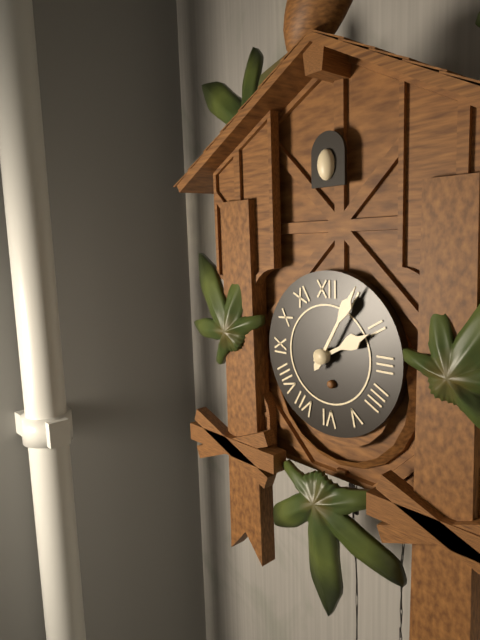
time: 2:05
